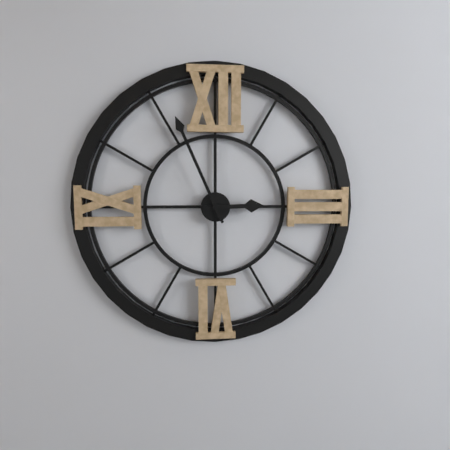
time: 2:56
